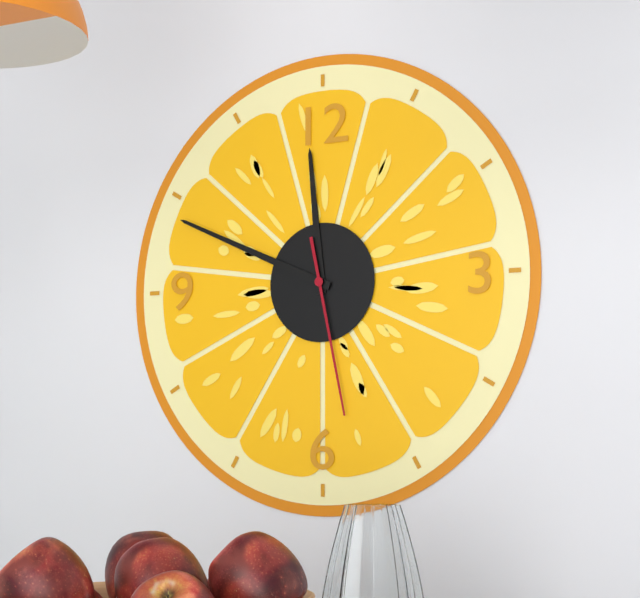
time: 11:49:28
